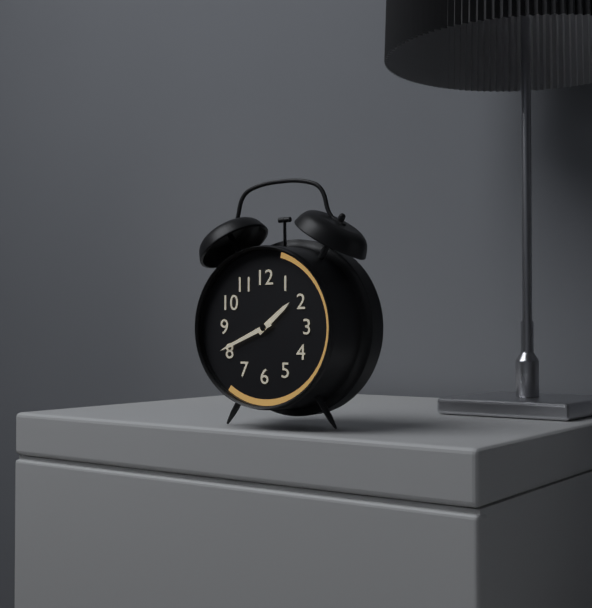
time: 1:41
